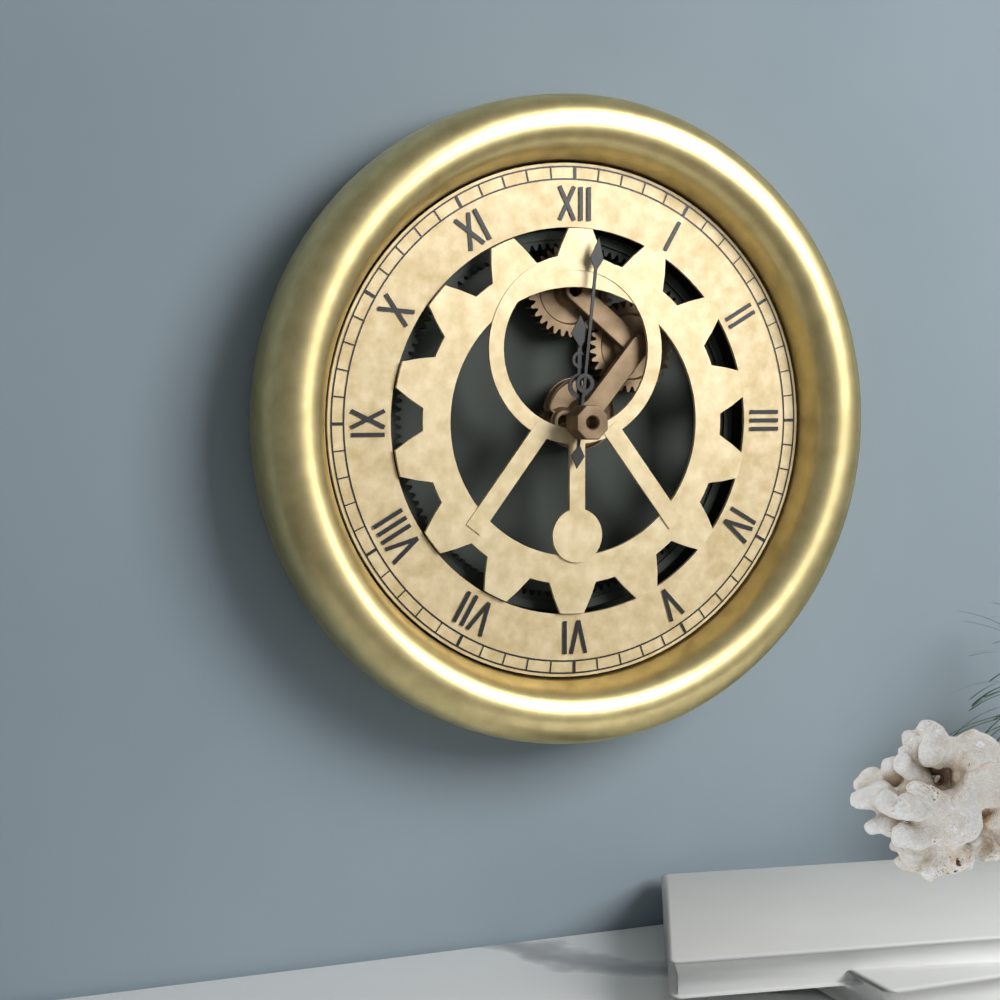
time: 12:01
